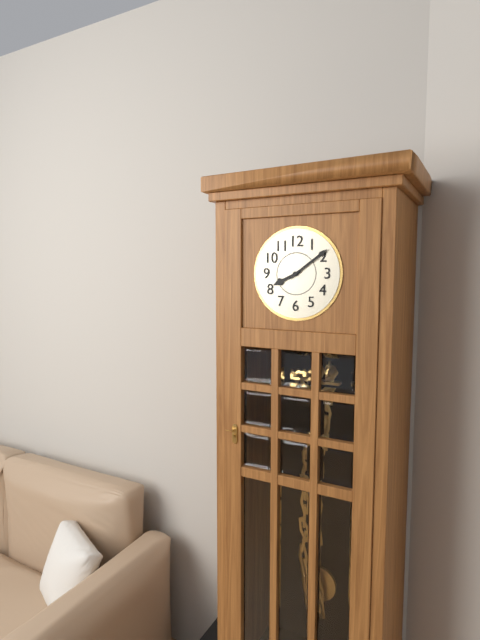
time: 8:09
